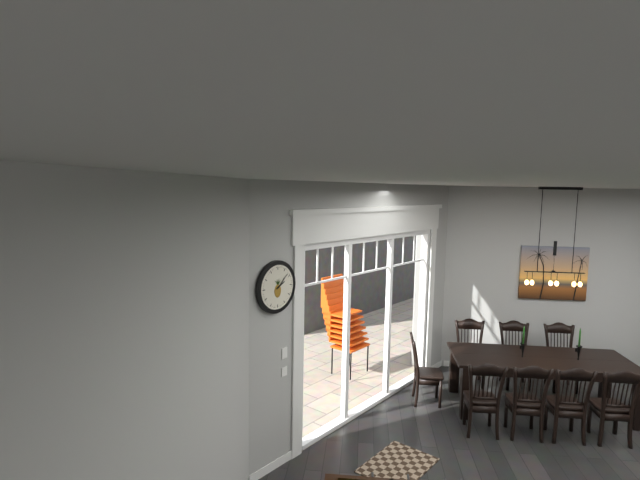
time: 2:08
